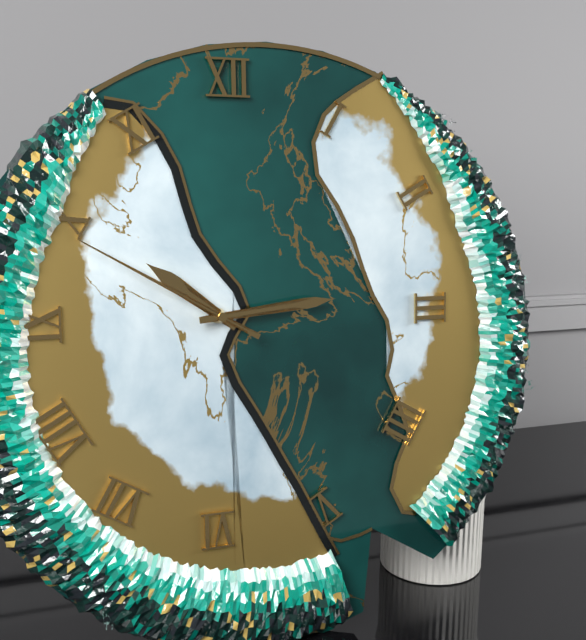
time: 10:14:50
